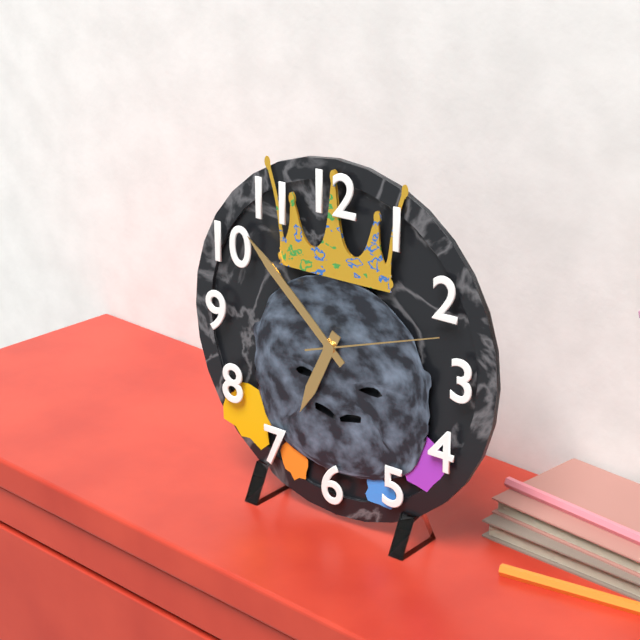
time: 6:52:12
